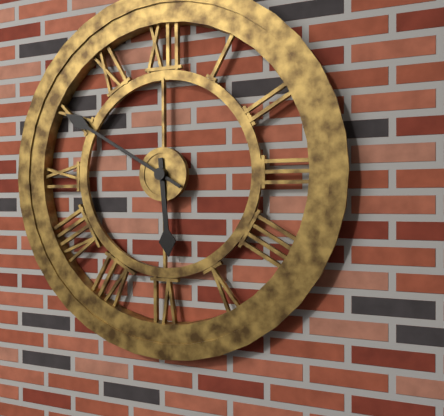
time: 5:50
